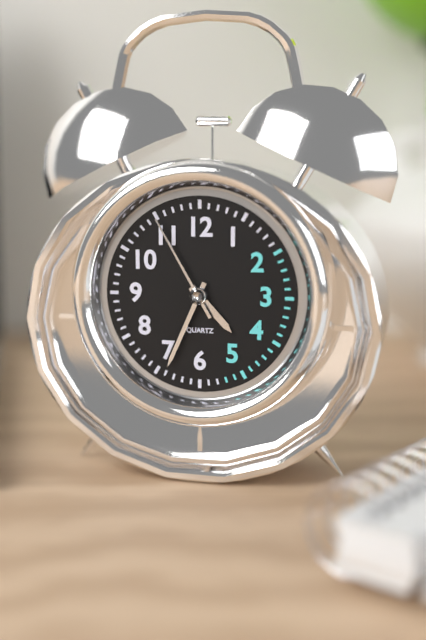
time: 4:34:55
